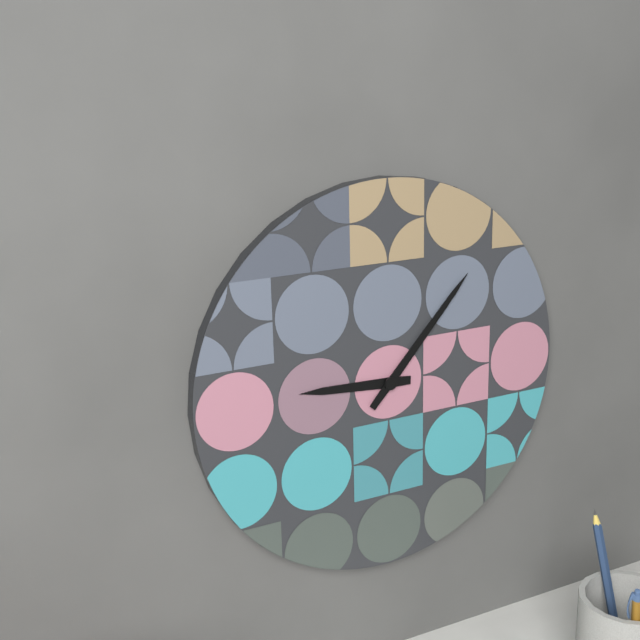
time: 9:07
